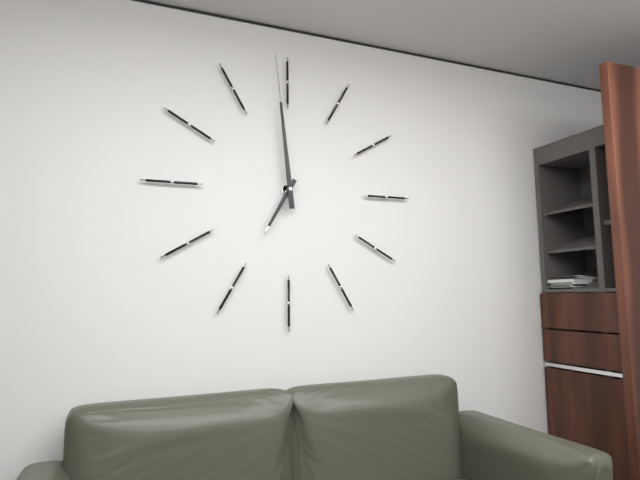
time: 6:59
